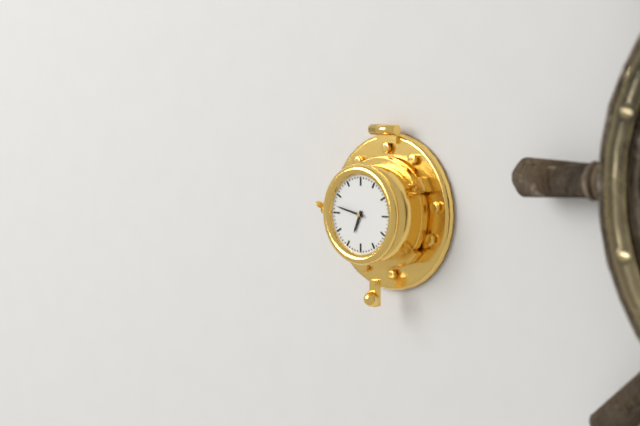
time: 6:47
